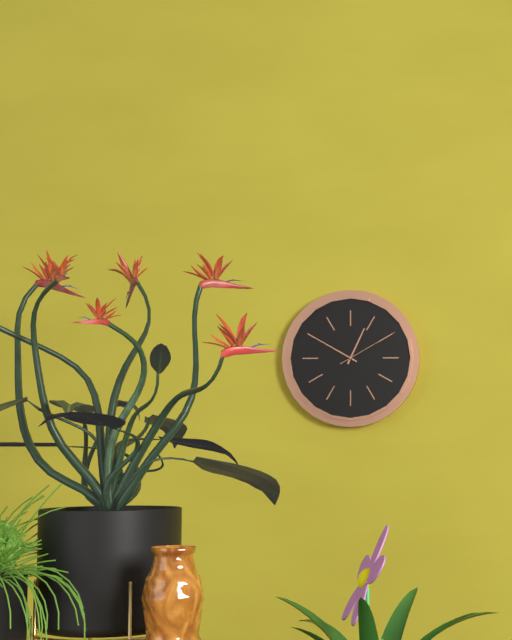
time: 12:50:10
